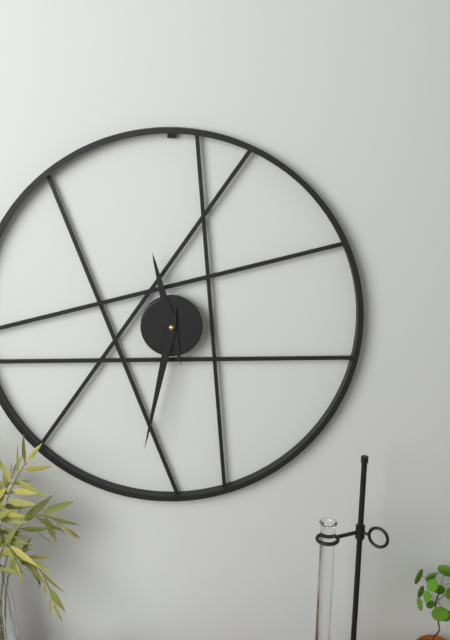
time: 11:32
